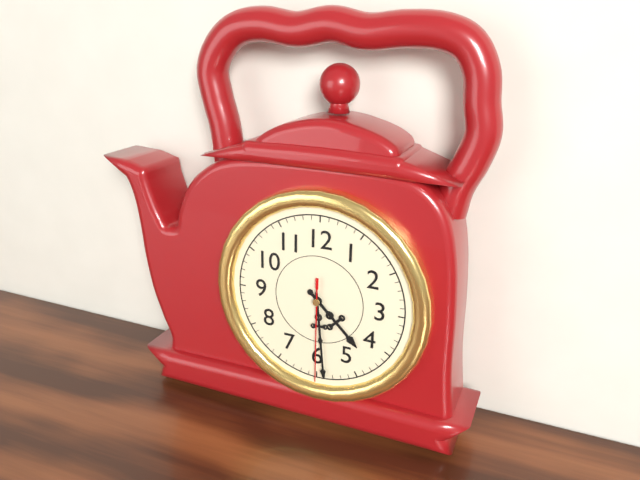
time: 4:29:30
